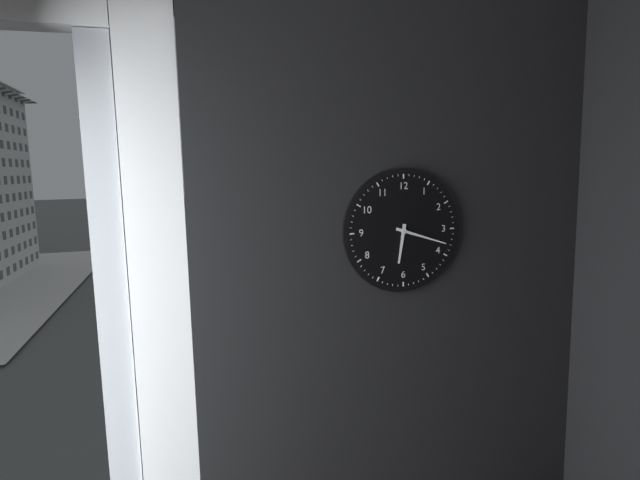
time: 6:18
